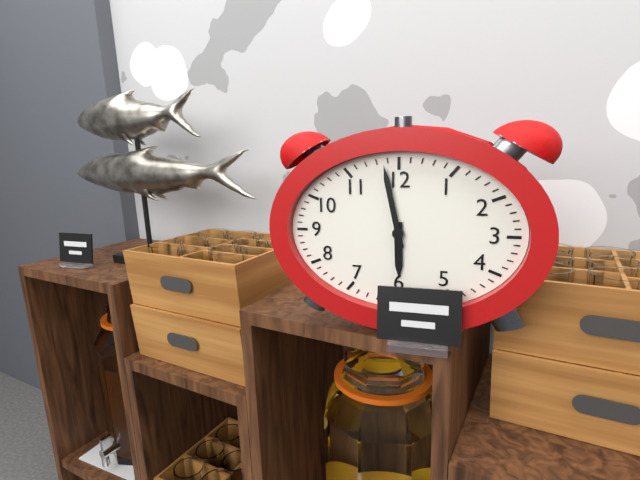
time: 5:58
